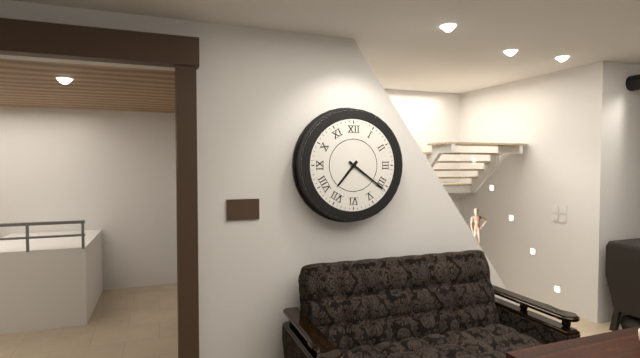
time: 7:21
